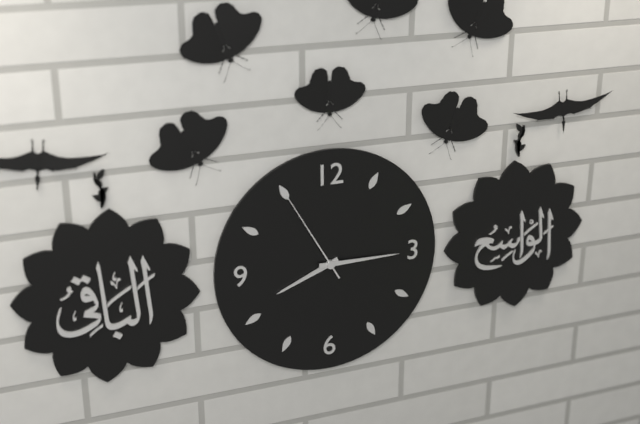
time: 8:15:55
